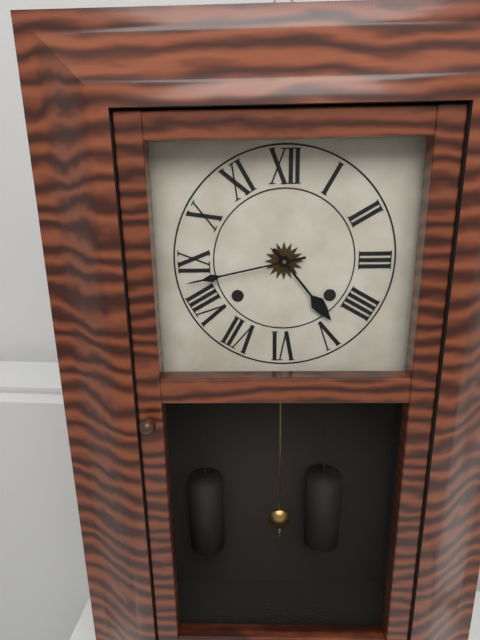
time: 4:43
